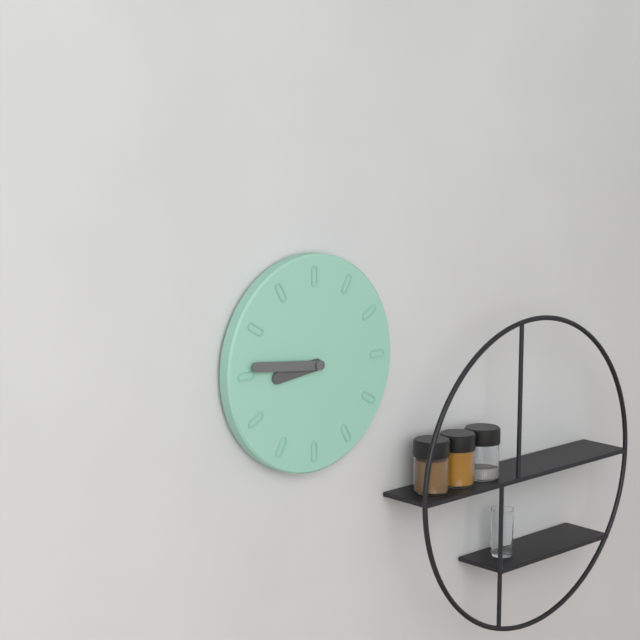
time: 8:46
